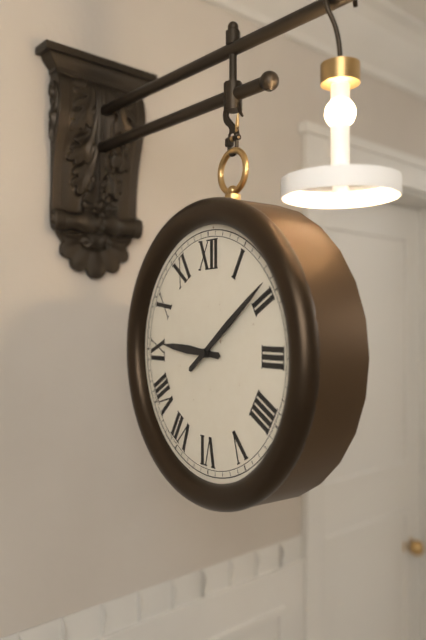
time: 9:09
